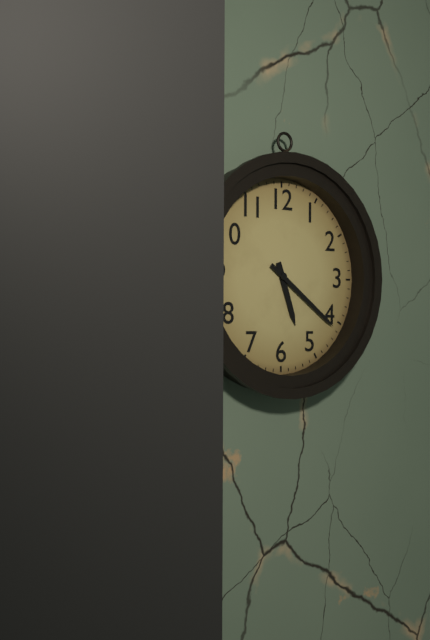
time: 5:21
